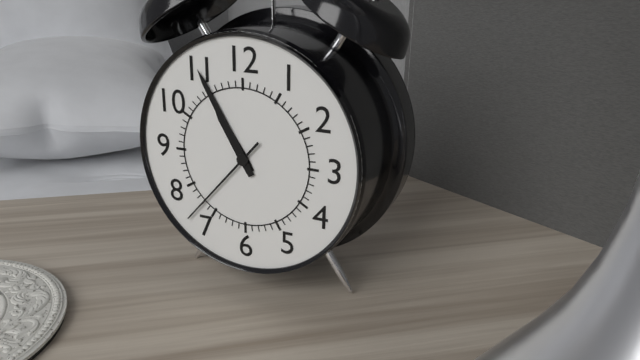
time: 10:55:37
